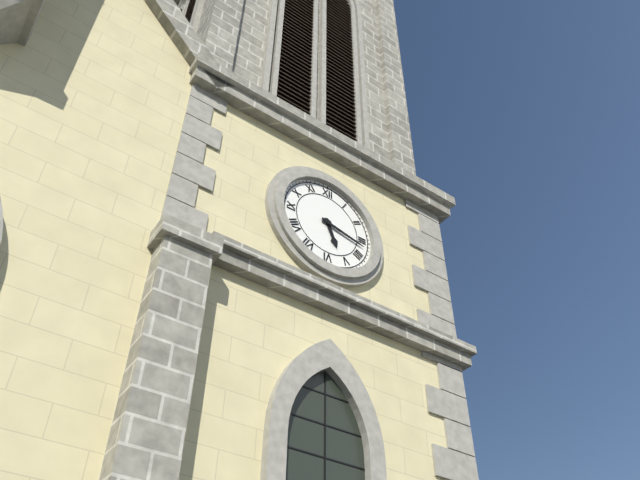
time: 5:17
